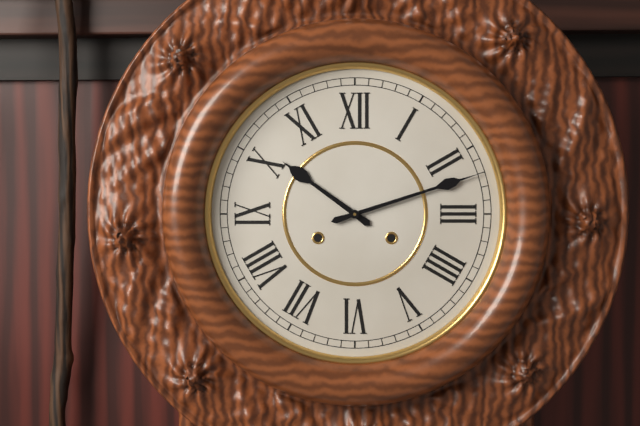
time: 10:12
